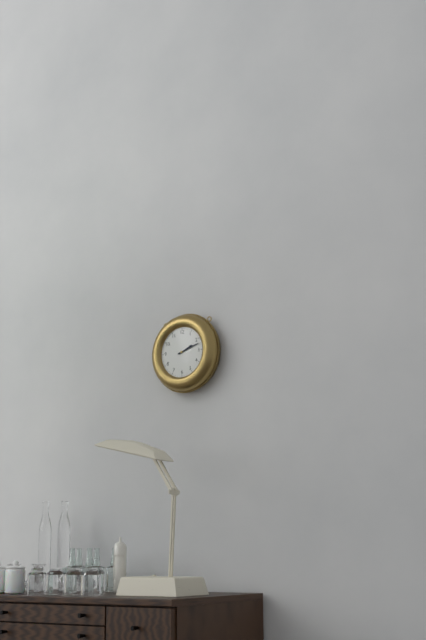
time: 2:12
